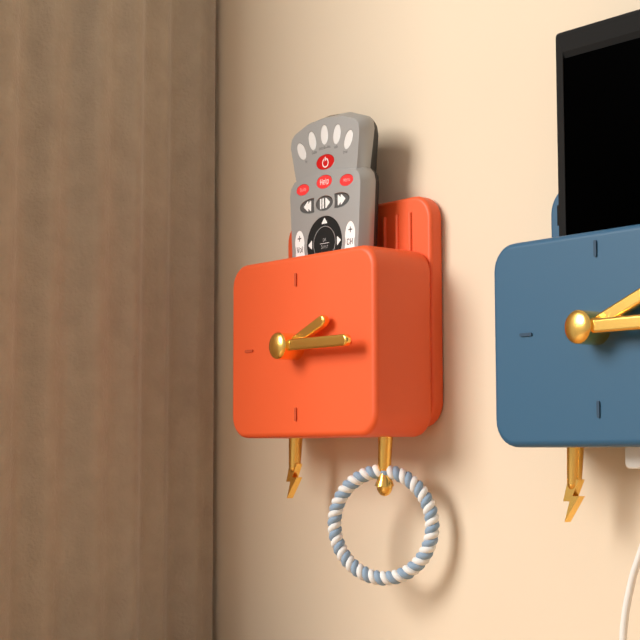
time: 2:15
